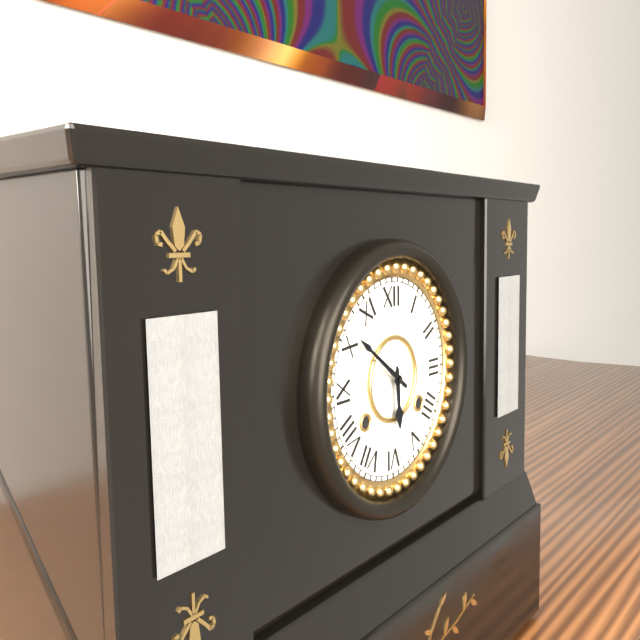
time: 5:51
